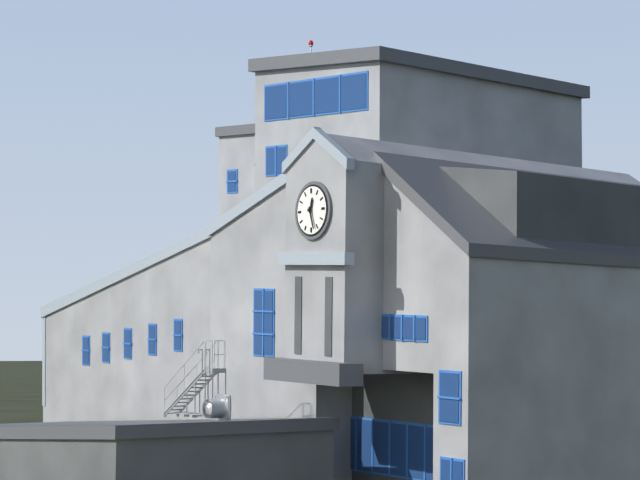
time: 12:27
